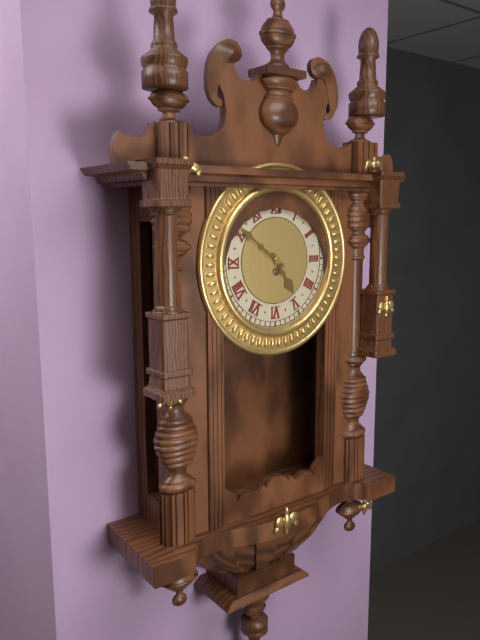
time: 4:51
